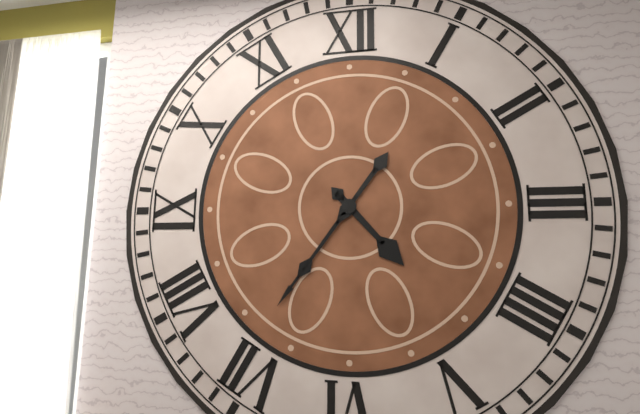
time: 4:36
